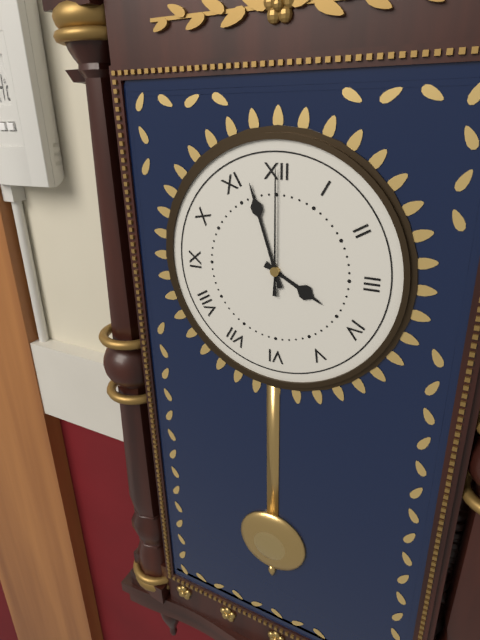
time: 3:57:00
